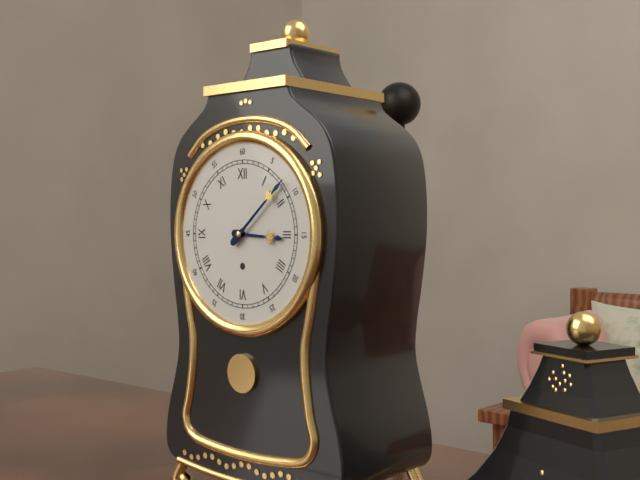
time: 3:08
